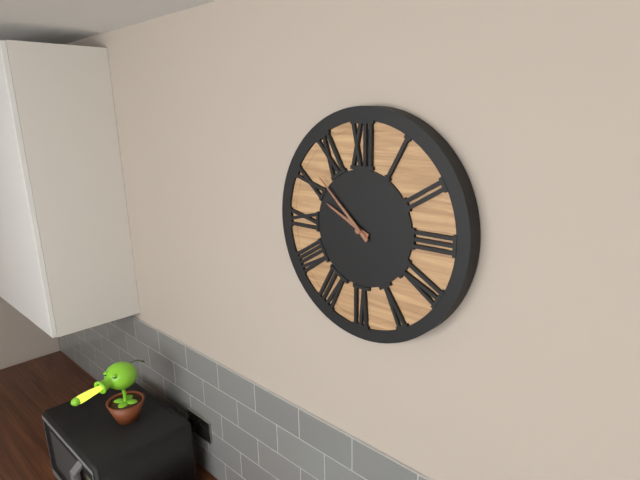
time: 9:52
